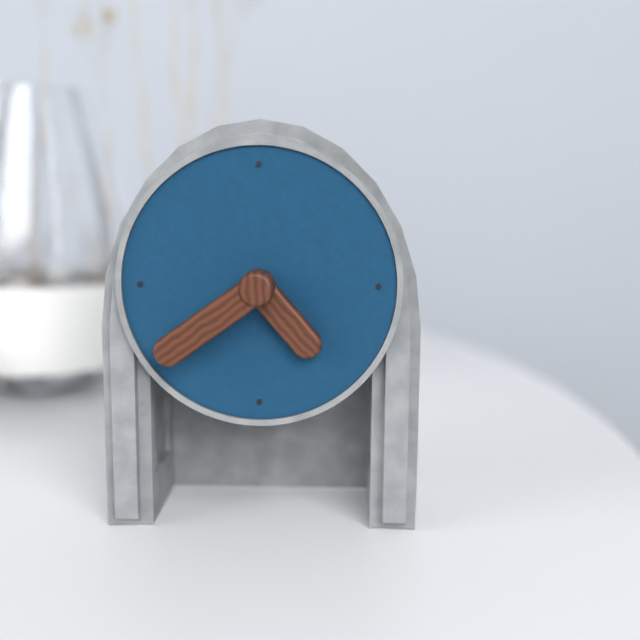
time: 4:39
